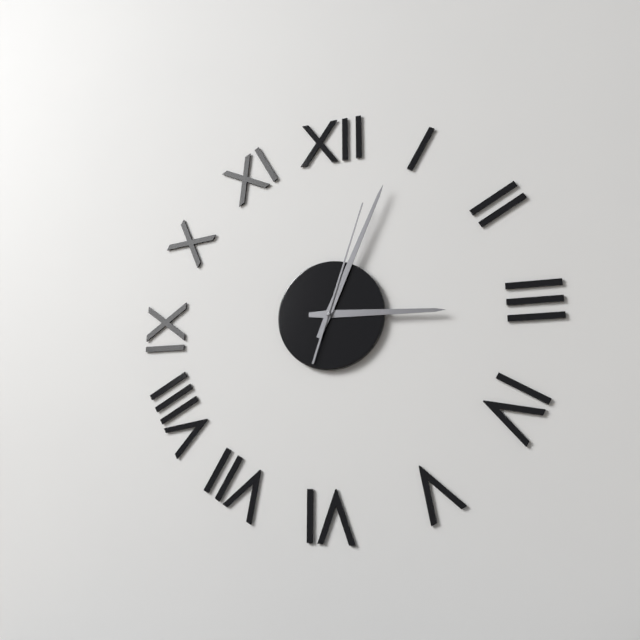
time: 3:04:03
